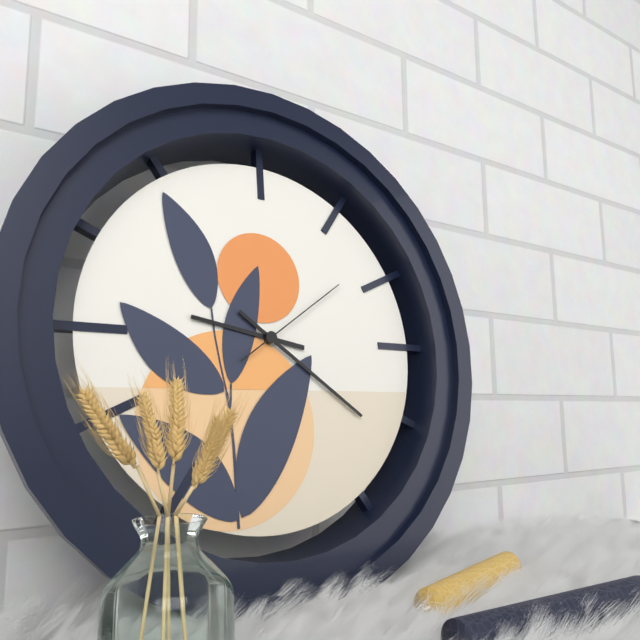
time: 9:21:09
